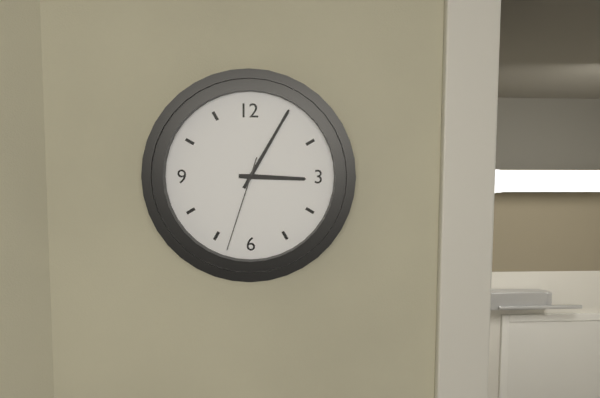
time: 3:05:33
